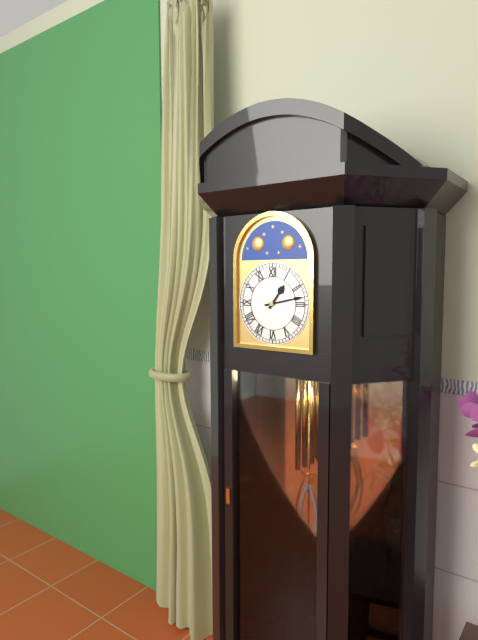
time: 1:13
